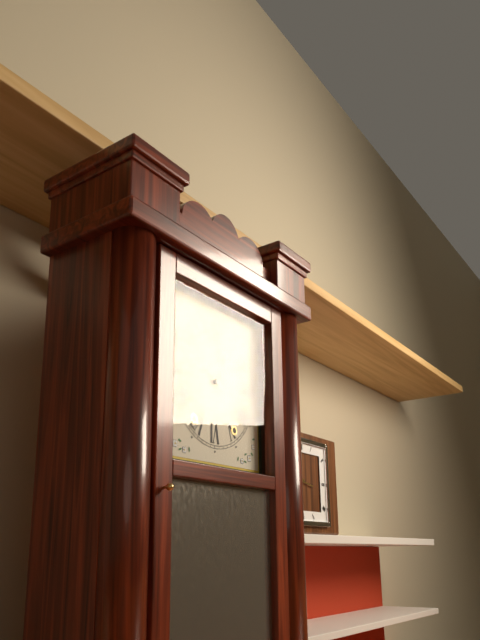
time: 12:49
